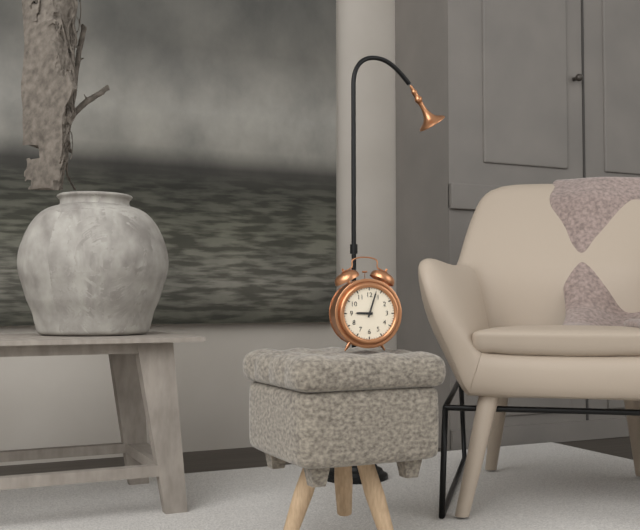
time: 9:03
